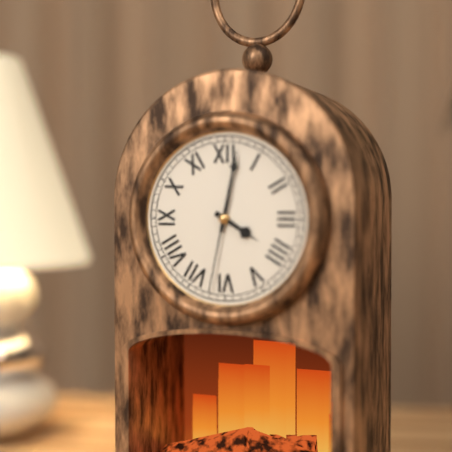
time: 4:02:32
